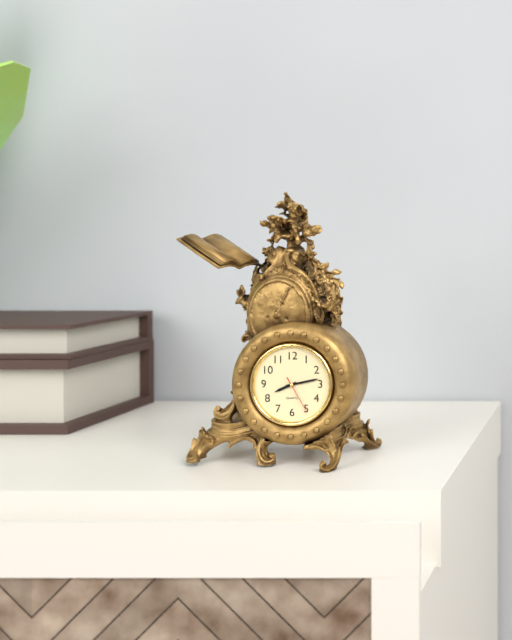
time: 8:13
